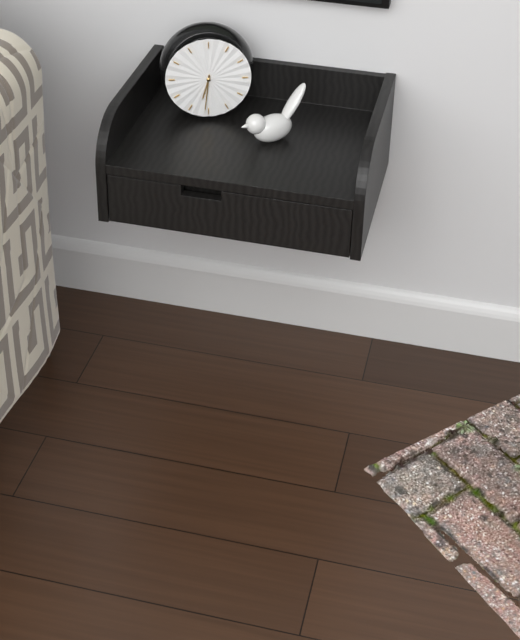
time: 6:31
